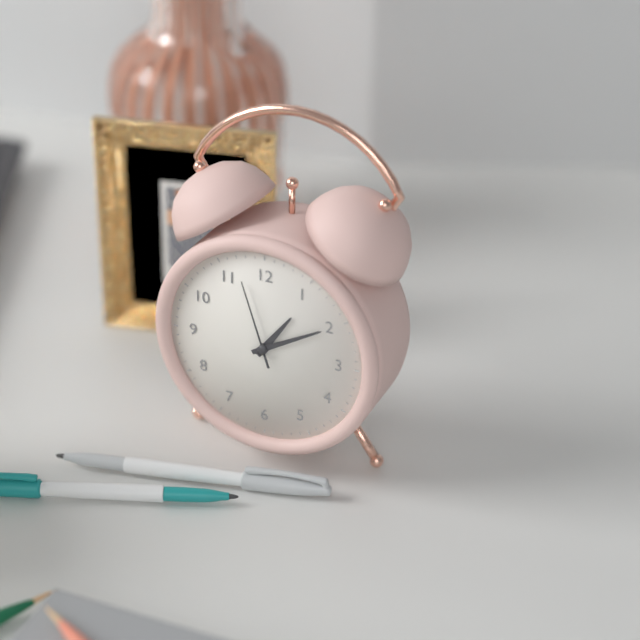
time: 1:10:57
